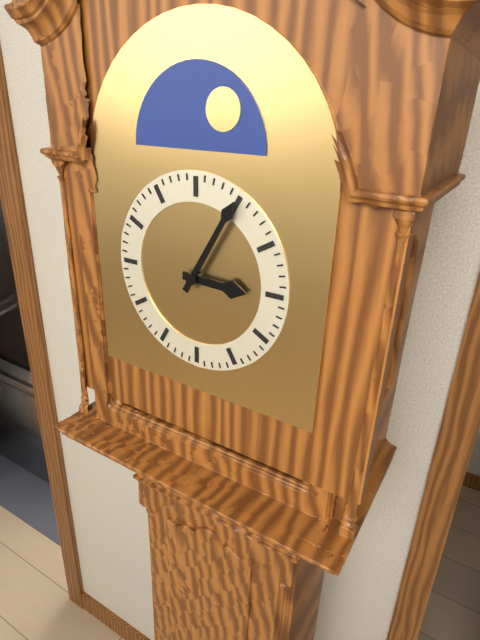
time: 3:05
